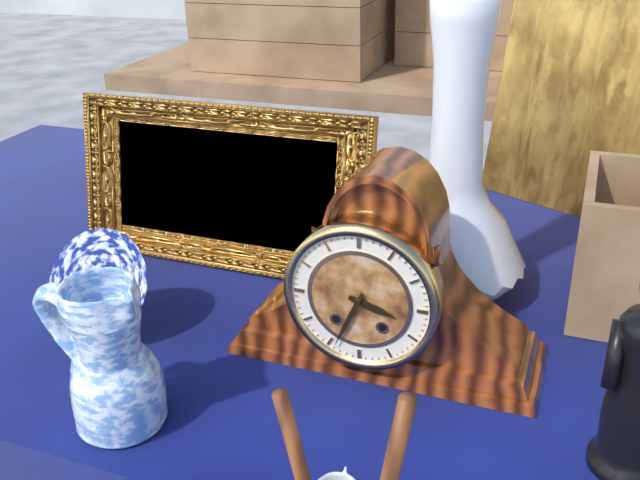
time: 3:34
